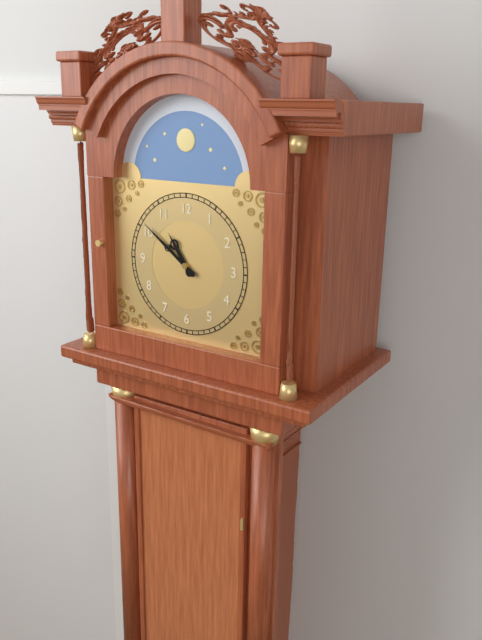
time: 10:51
